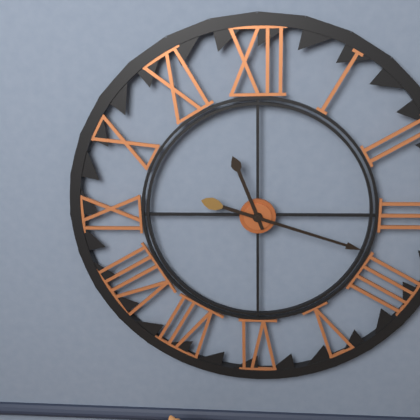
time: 11:18
